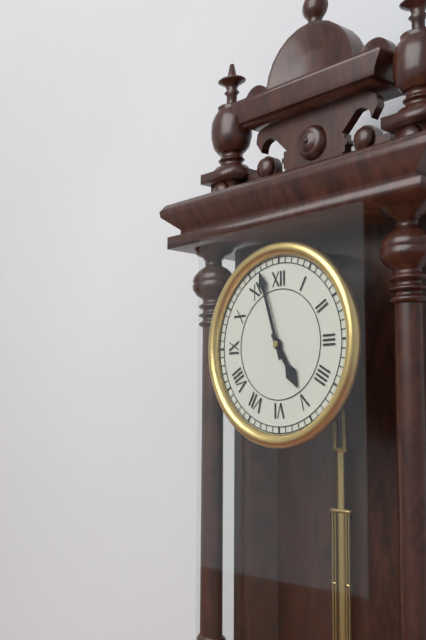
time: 4:57
